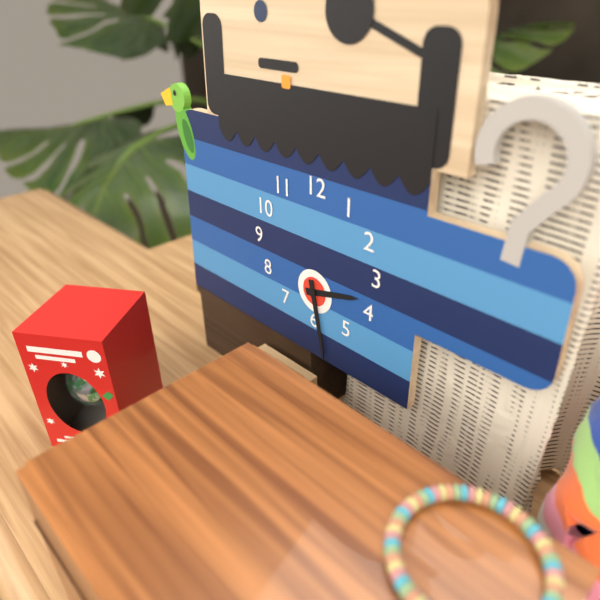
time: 2:28
